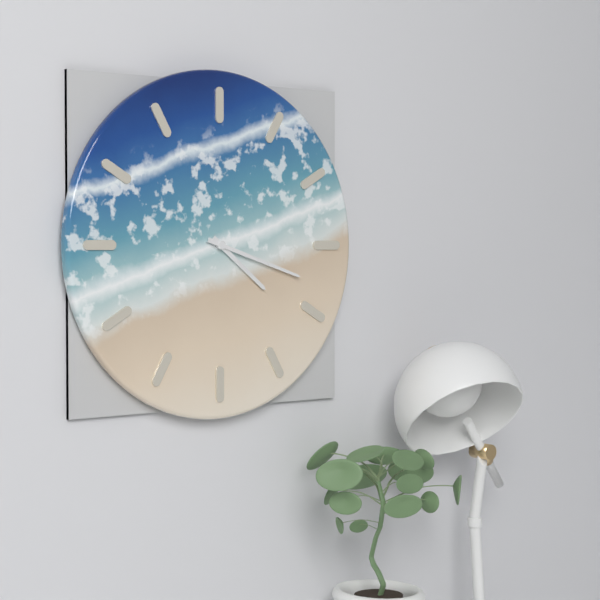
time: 4:18
